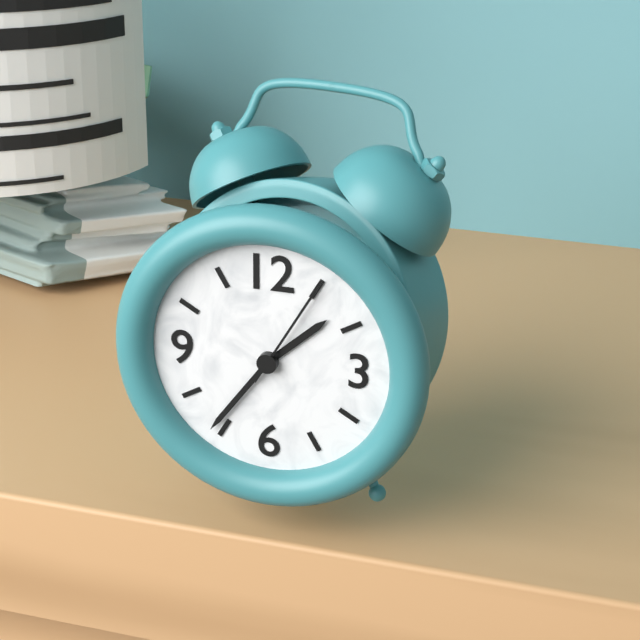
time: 1:36:05
